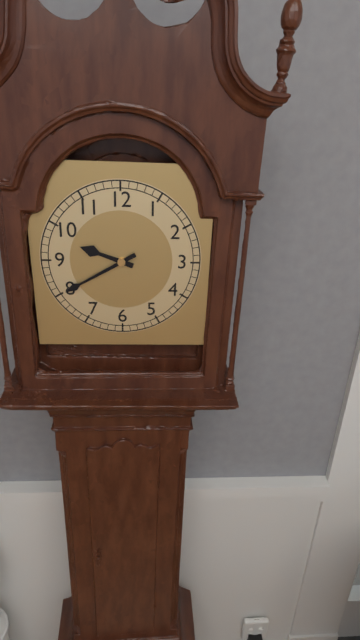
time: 9:40
